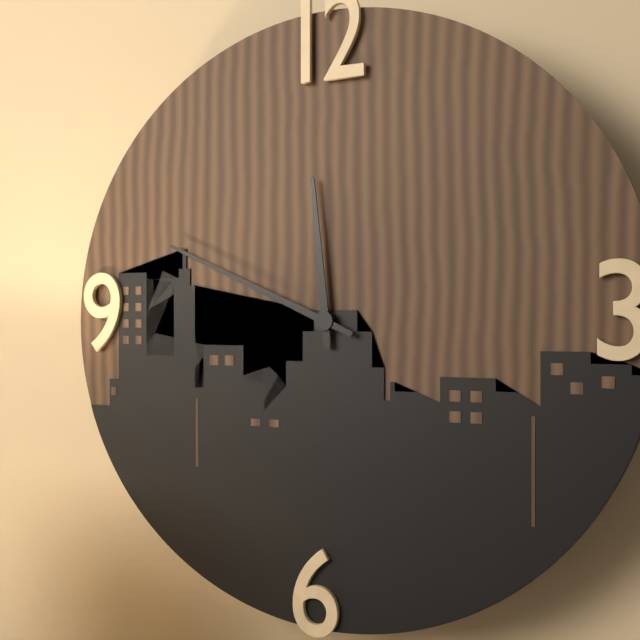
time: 11:49
